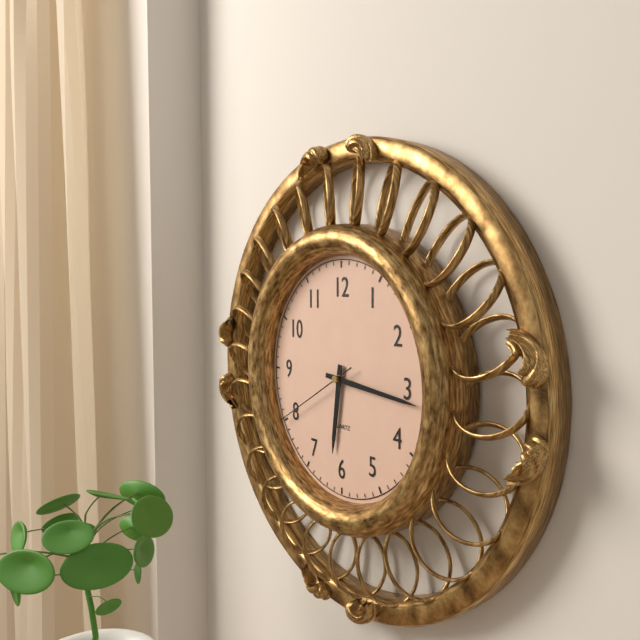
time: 6:16:40
